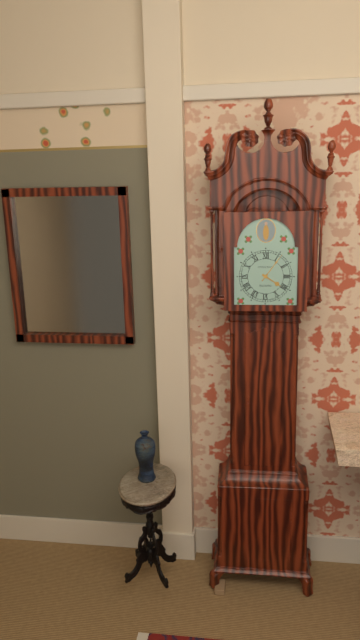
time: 4:06
